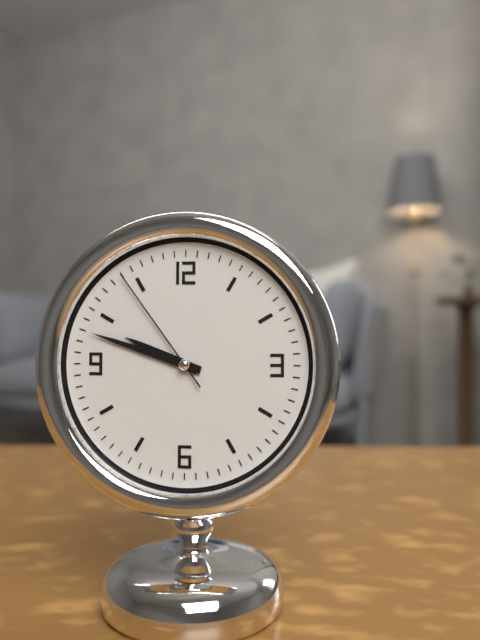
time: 9:48:54
